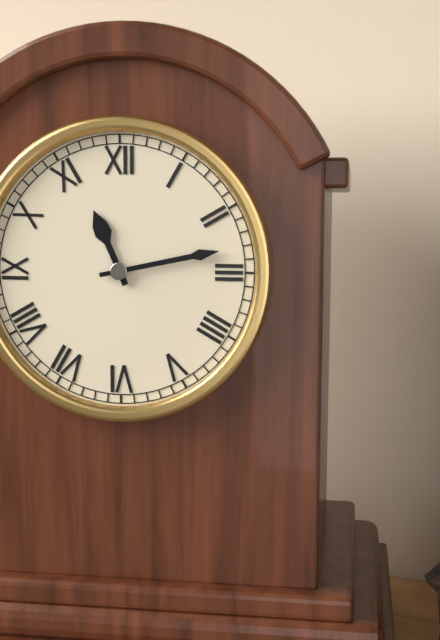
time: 11:13
